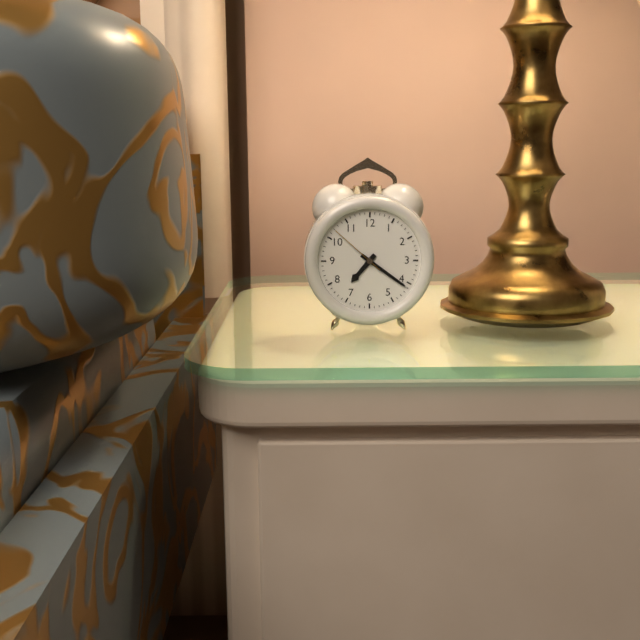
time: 7:21:52
